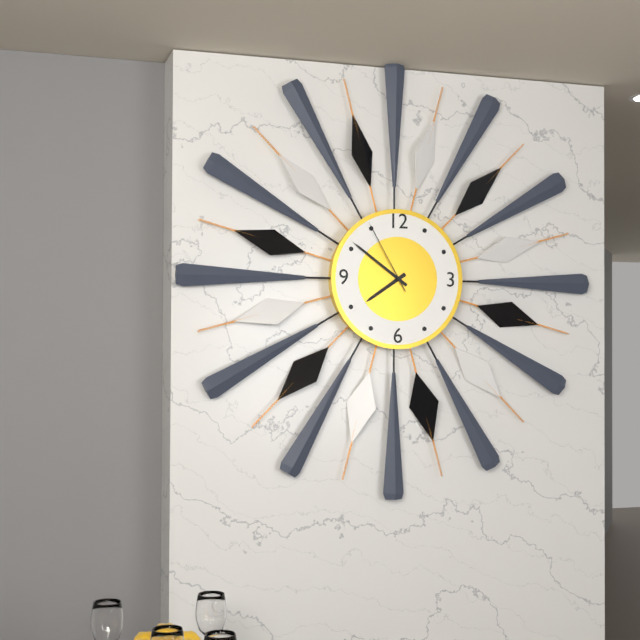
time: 7:51:55
